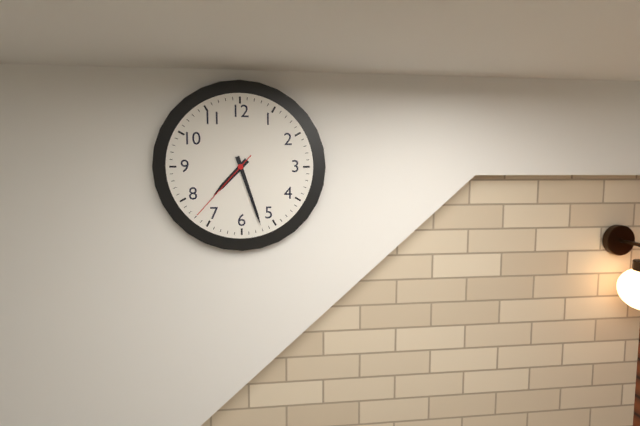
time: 7:27:37
